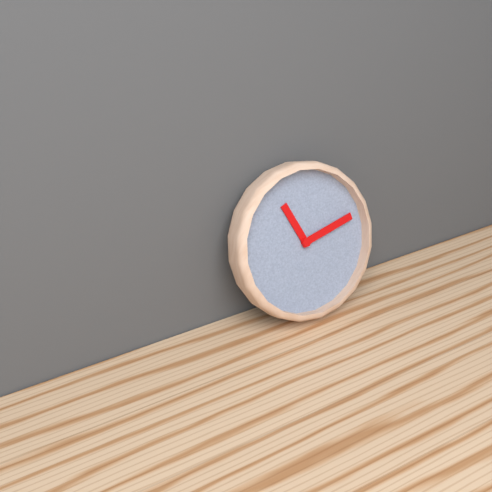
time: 11:13
